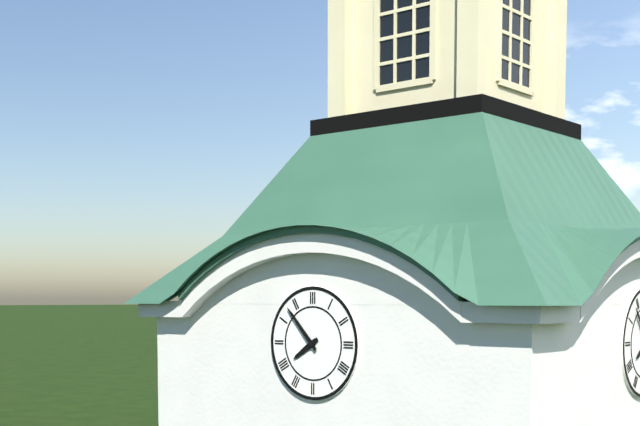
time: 7:53
